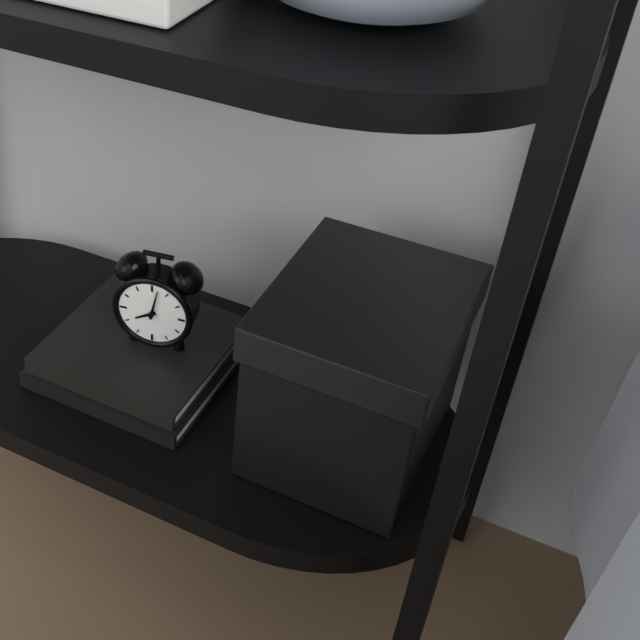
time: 8:02
